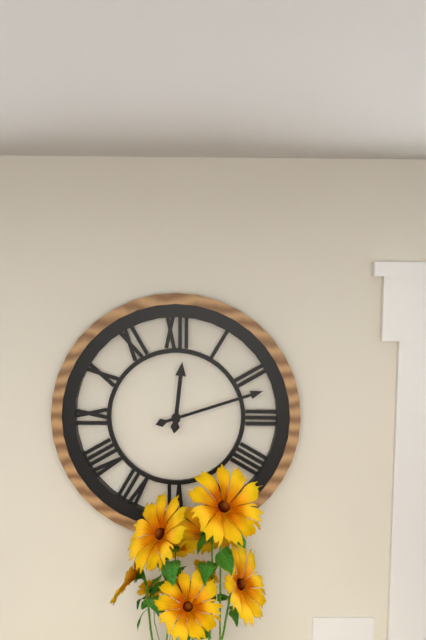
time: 12:12
